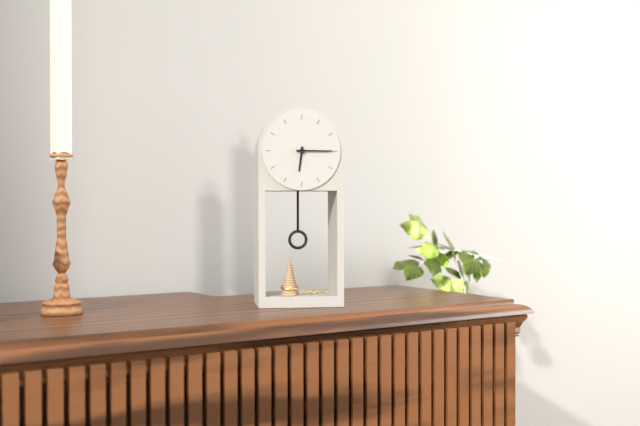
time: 6:15
